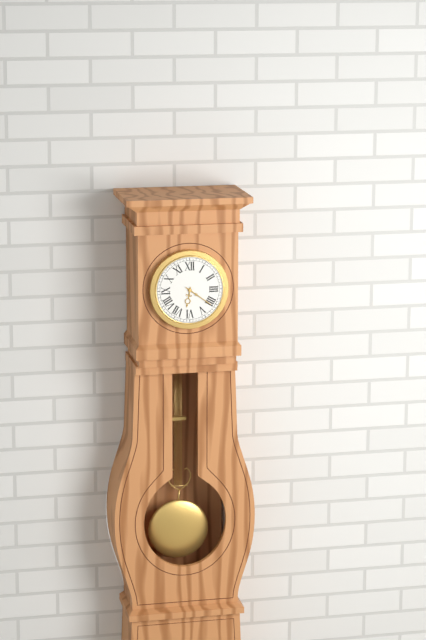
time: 6:21
